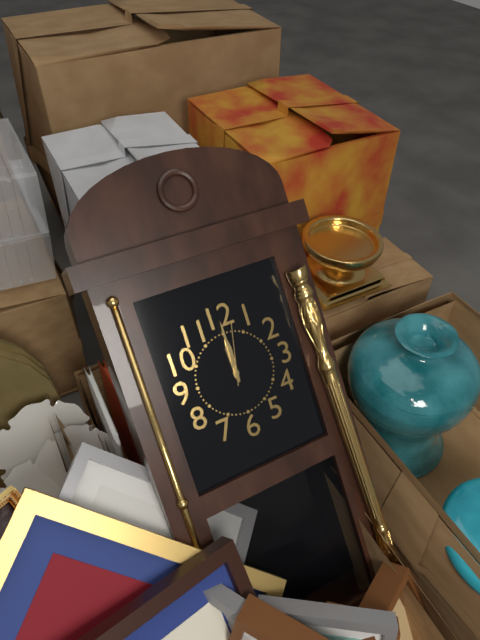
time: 12:00:02
